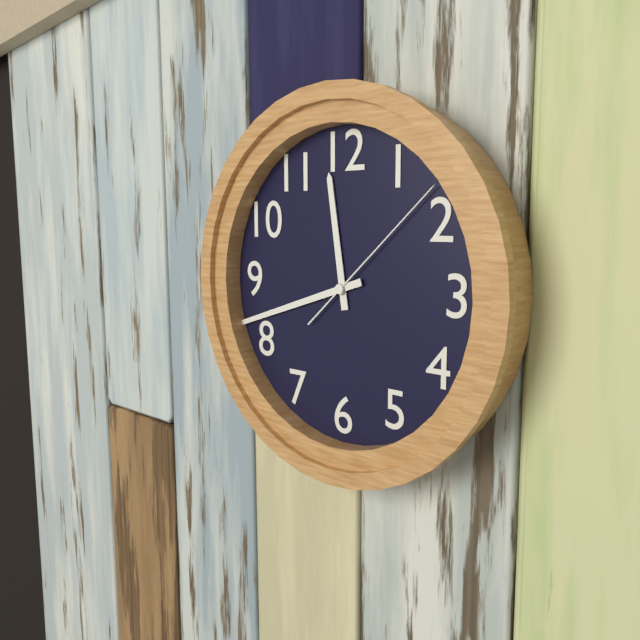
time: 11:42:08
